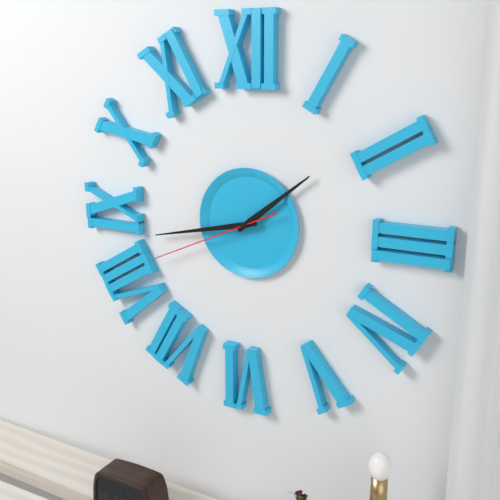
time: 1:43:41
